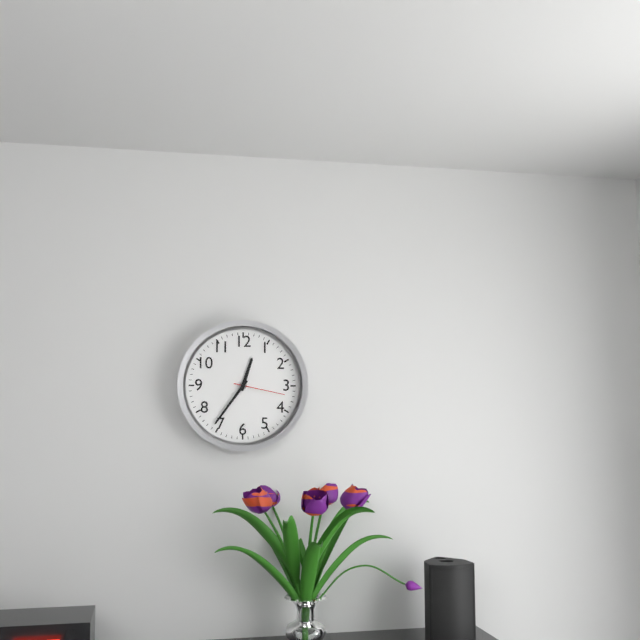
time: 12:36:17
